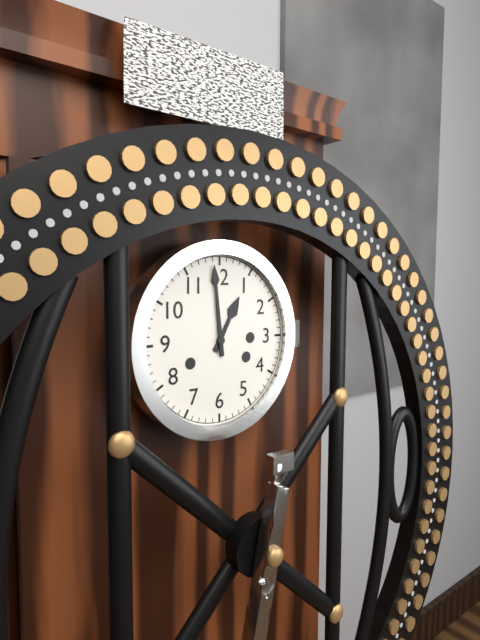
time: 12:59
